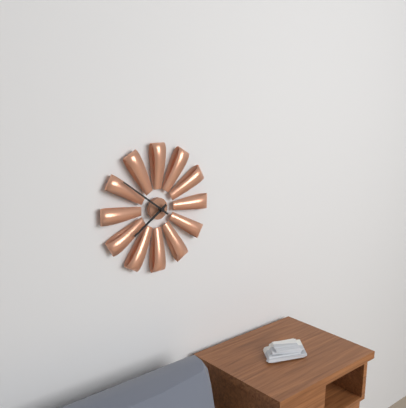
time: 7:51
